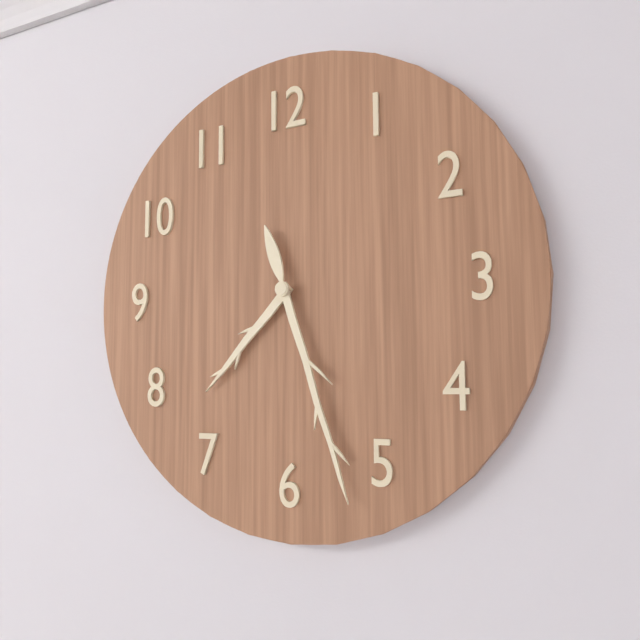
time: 7:27
